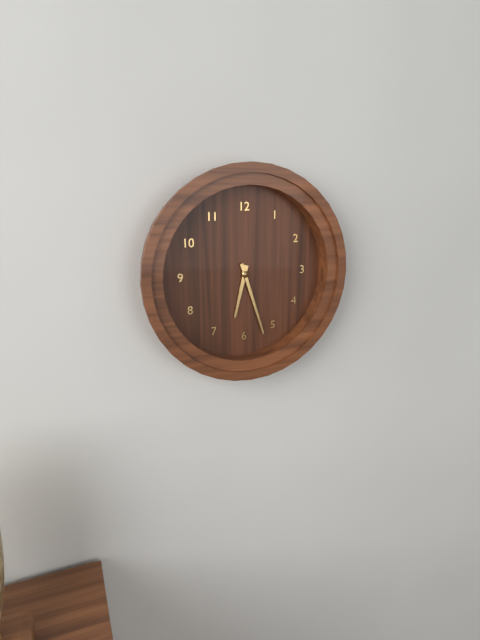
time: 6:27
